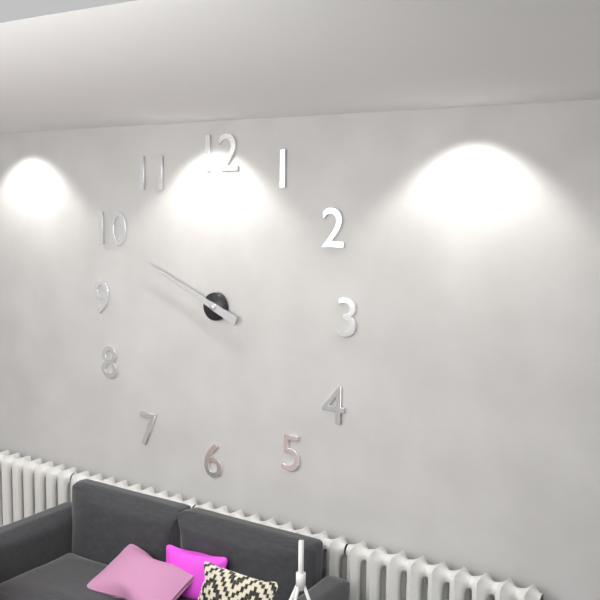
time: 9:49
